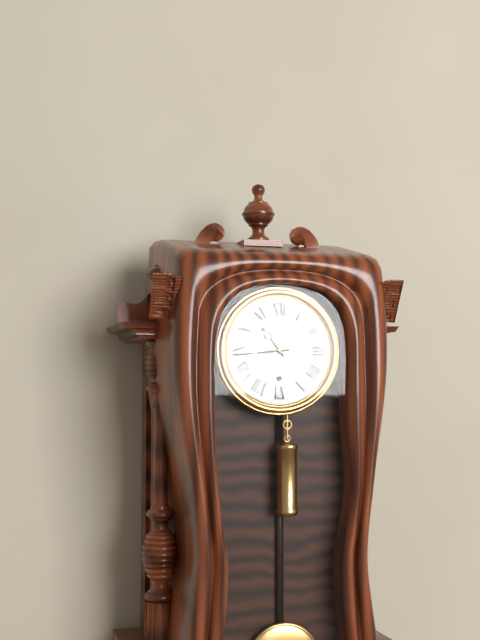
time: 10:44
